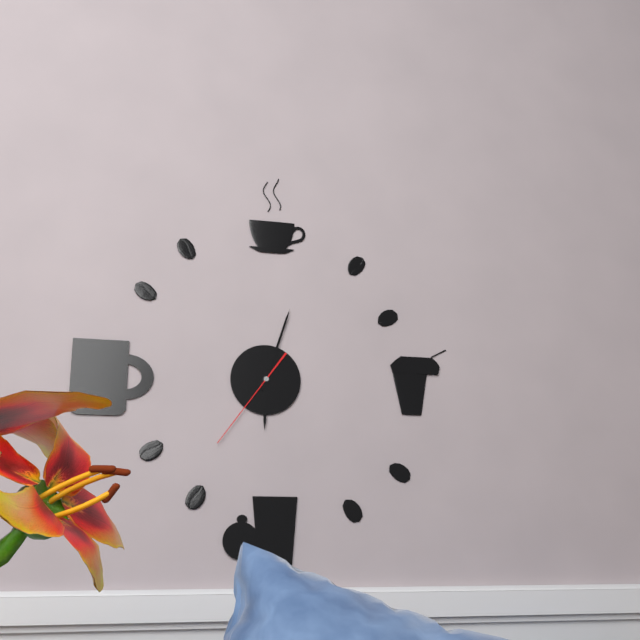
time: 6:03:36
